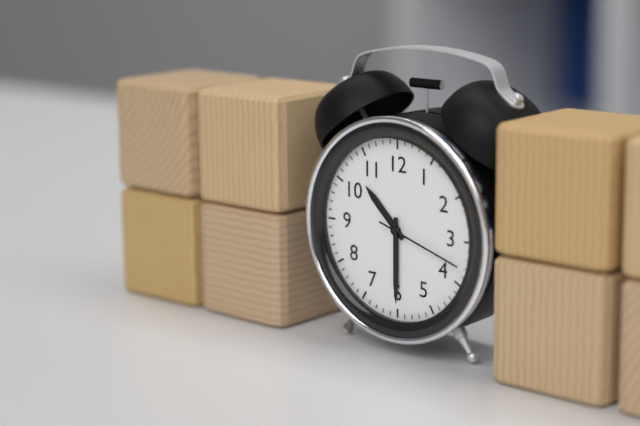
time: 10:30:18
